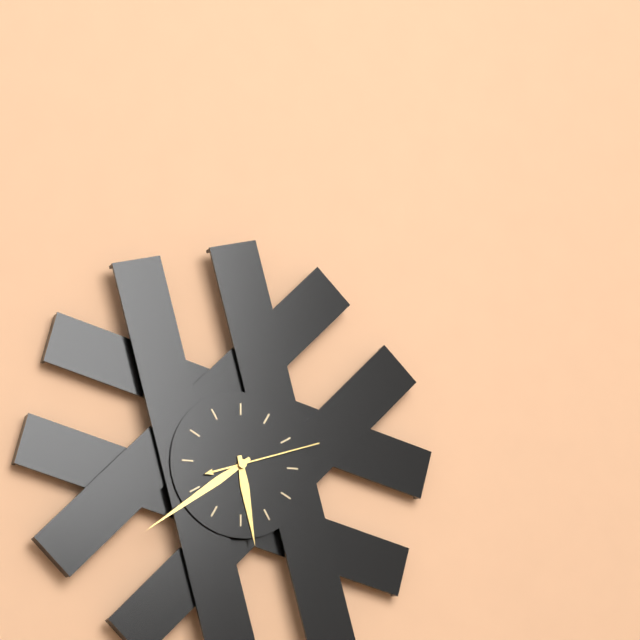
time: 5:39:12
